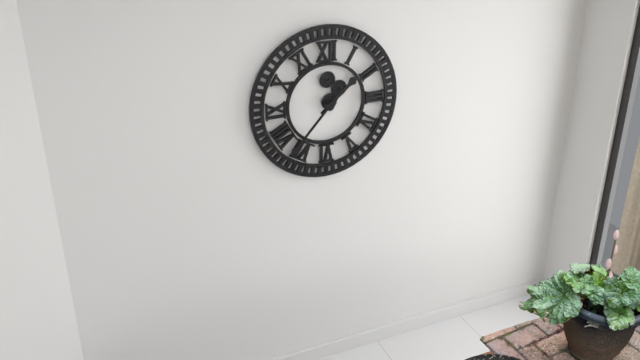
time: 1:37
